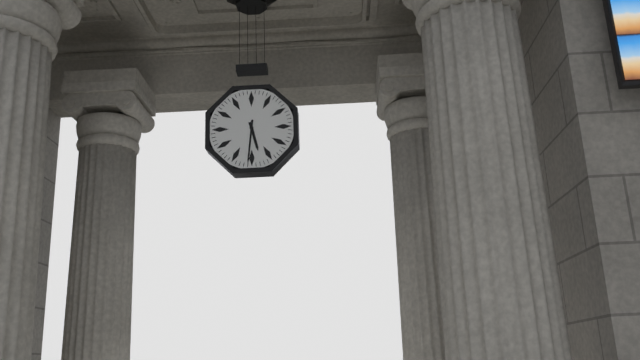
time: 5:31
